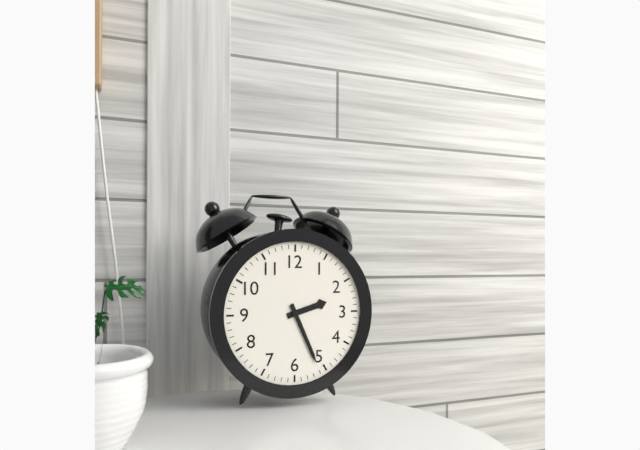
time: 2:26
